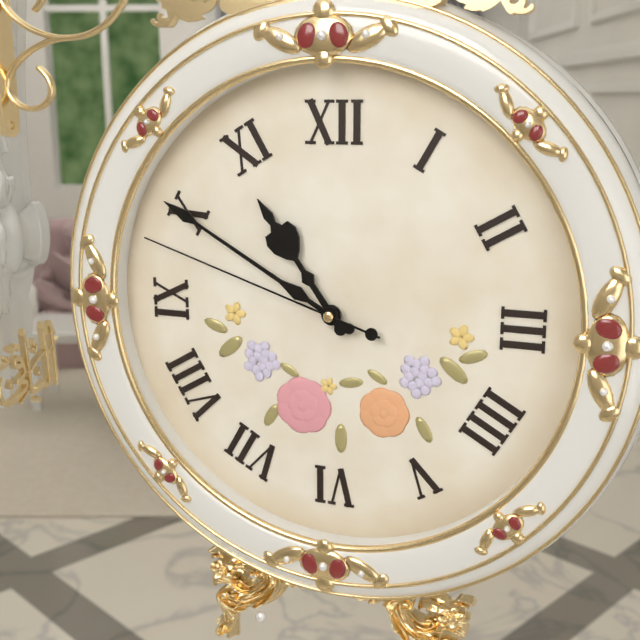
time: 10:50:48
